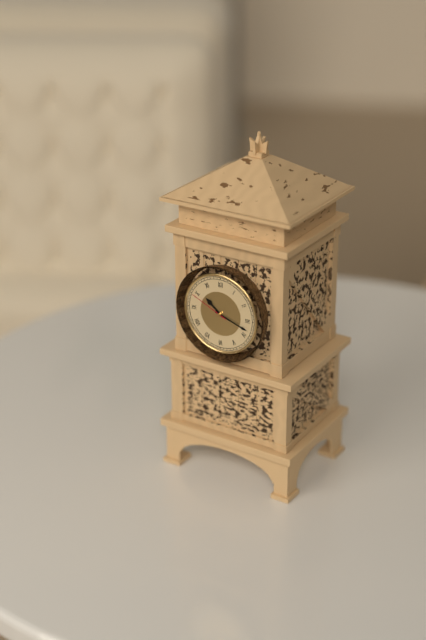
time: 10:18
